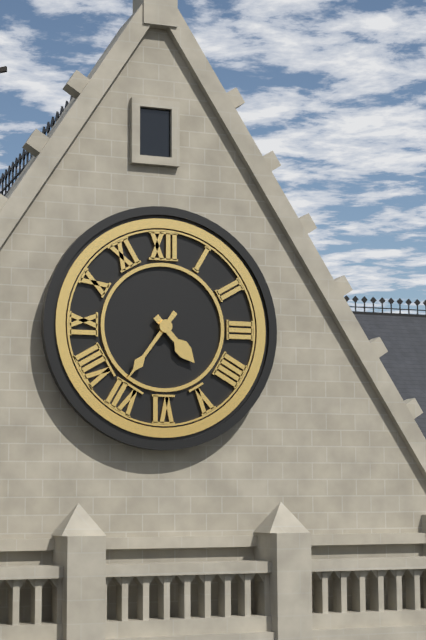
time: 4:36
